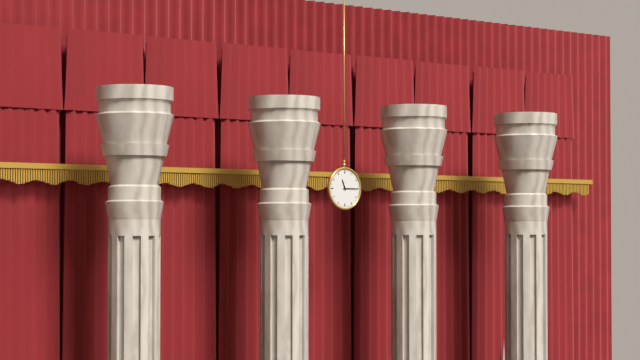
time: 11:15
